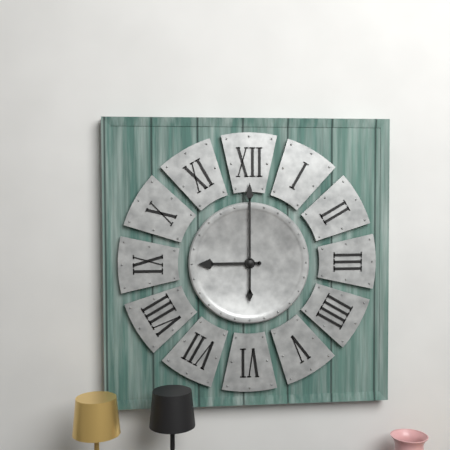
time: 9:00
